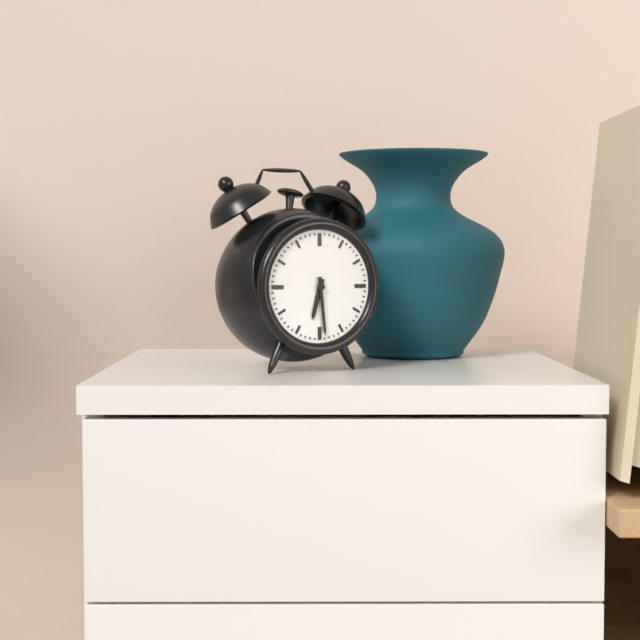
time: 6:29
